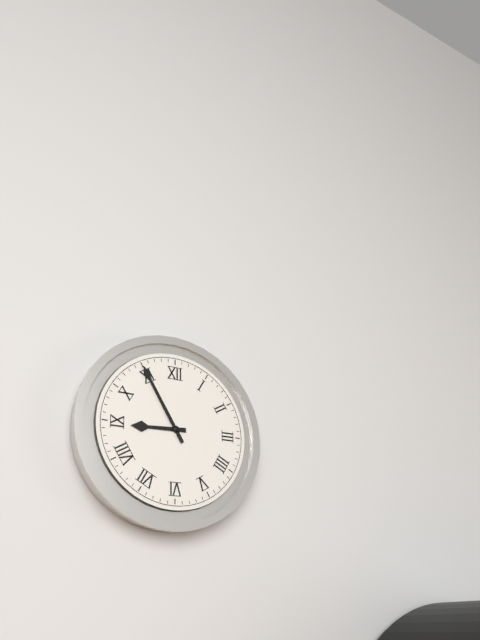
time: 8:55
